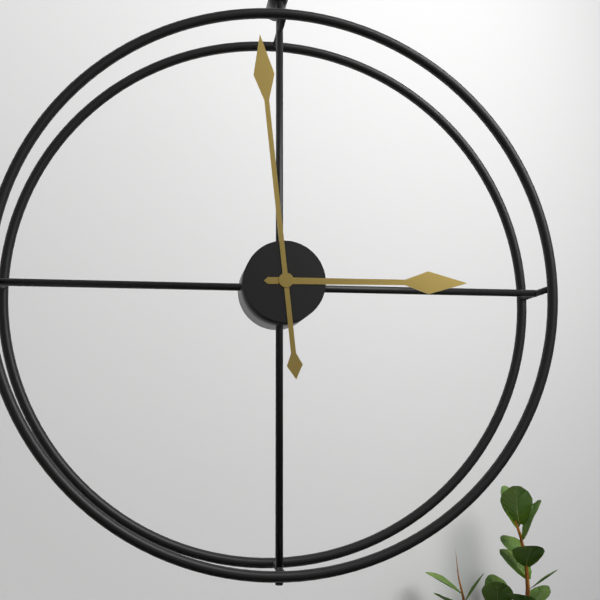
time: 2:59
